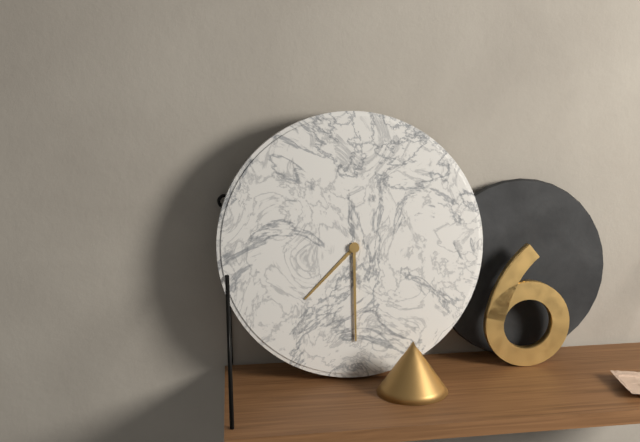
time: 7:30
